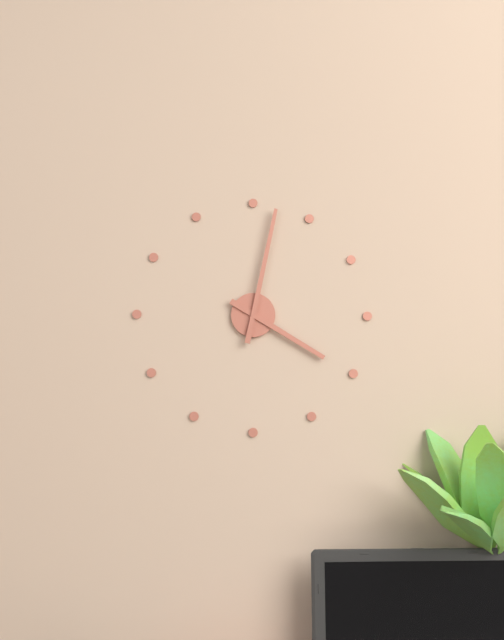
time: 4:02
